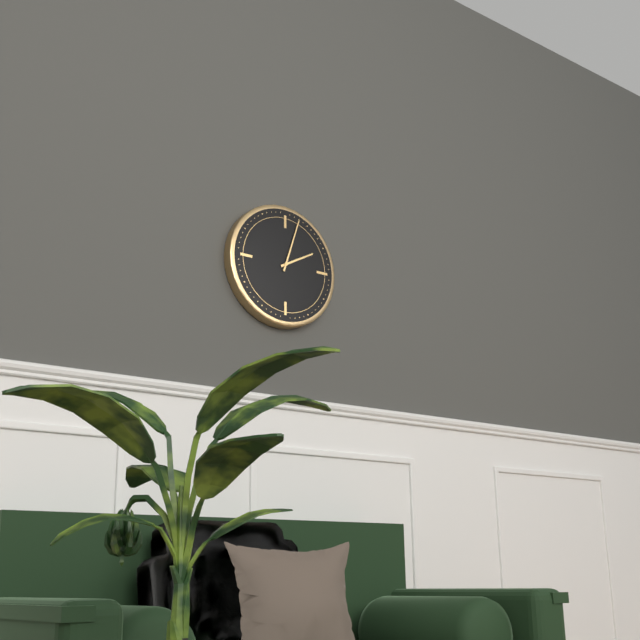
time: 2:03
